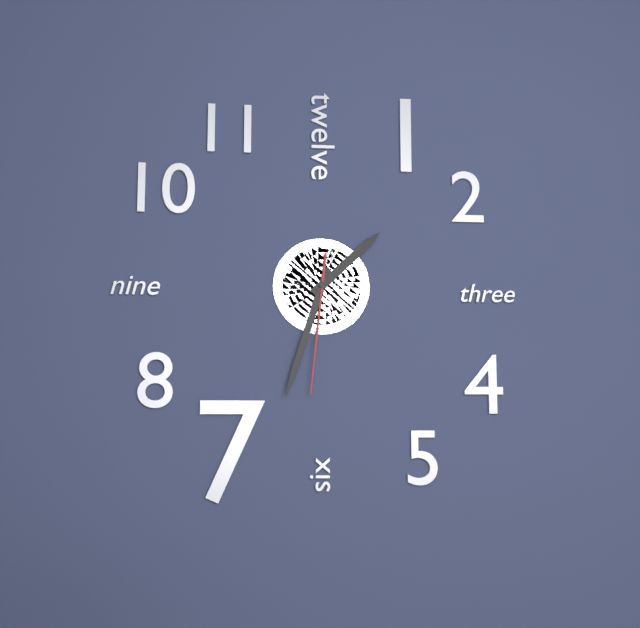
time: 1:33:31
